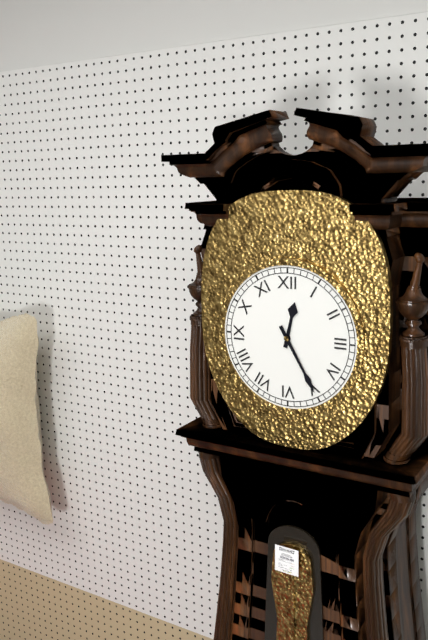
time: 12:25
